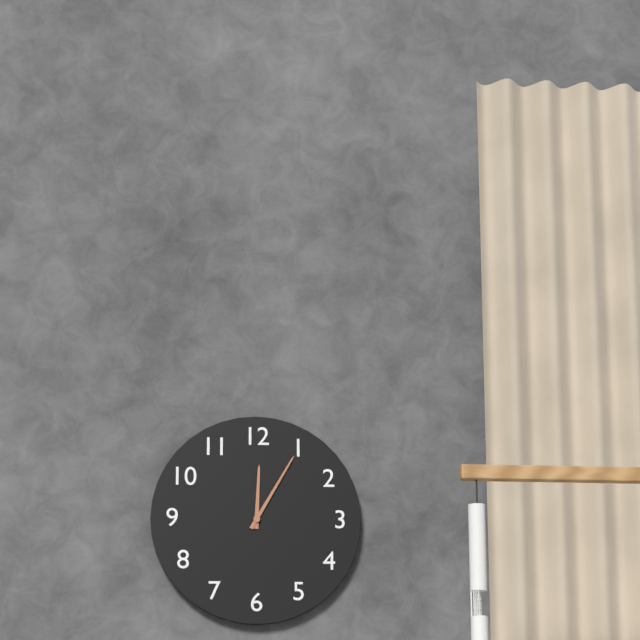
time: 12:05
